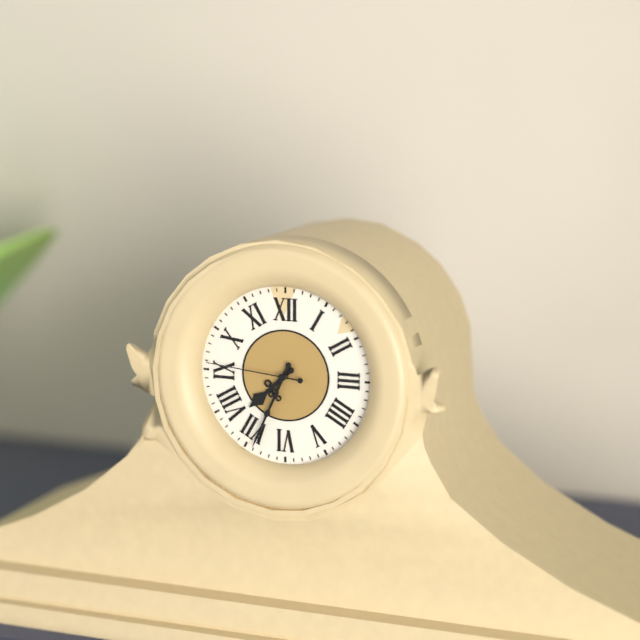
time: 7:34:46
